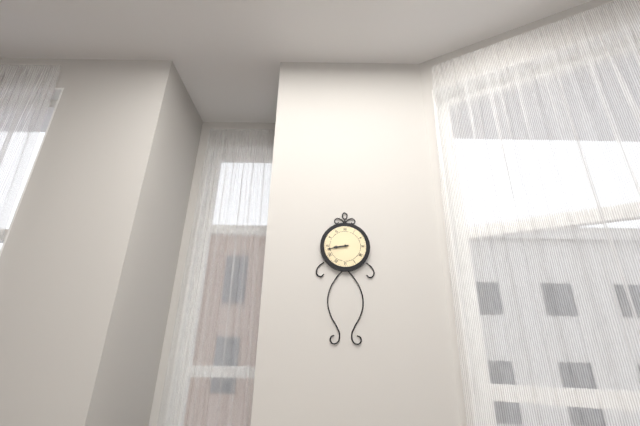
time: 8:43
